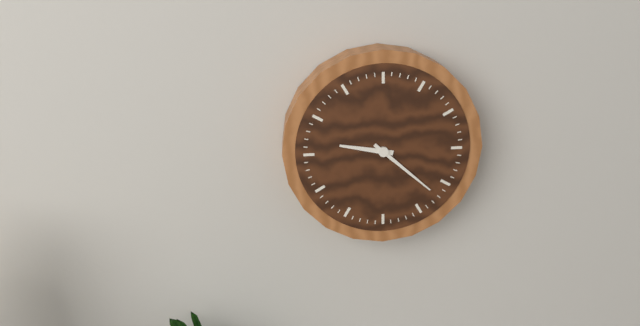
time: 9:22
